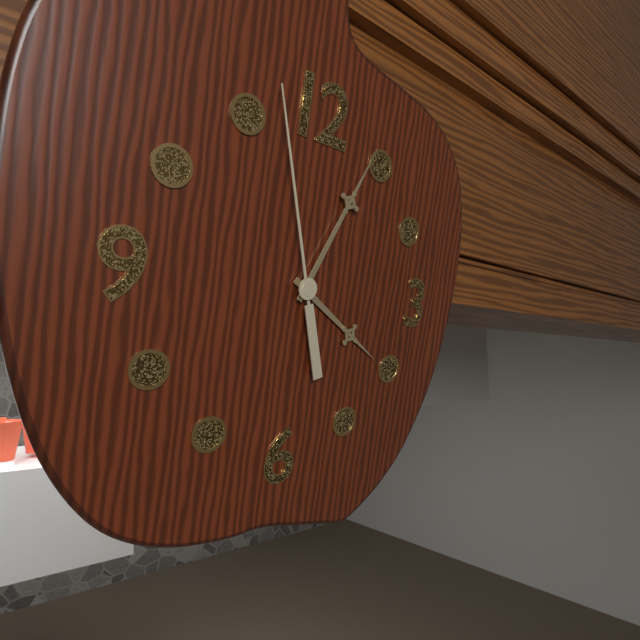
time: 4:04:57
